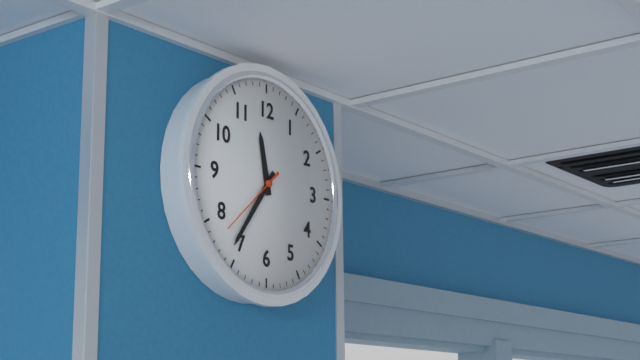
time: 11:36:38
